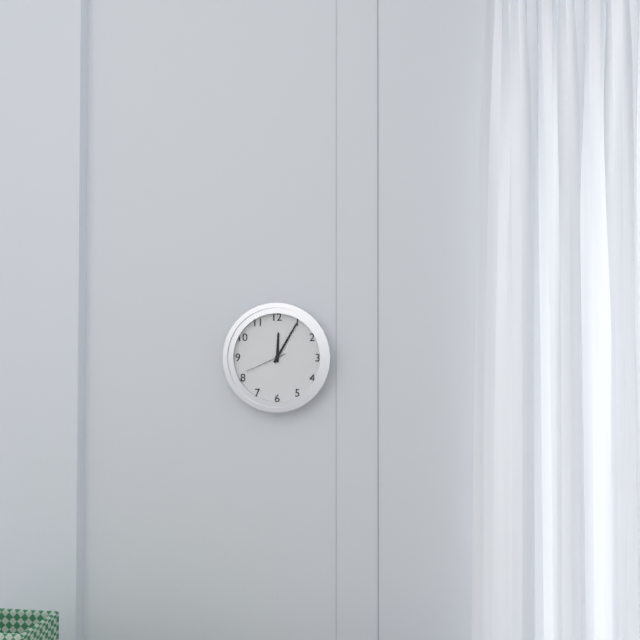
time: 12:05
